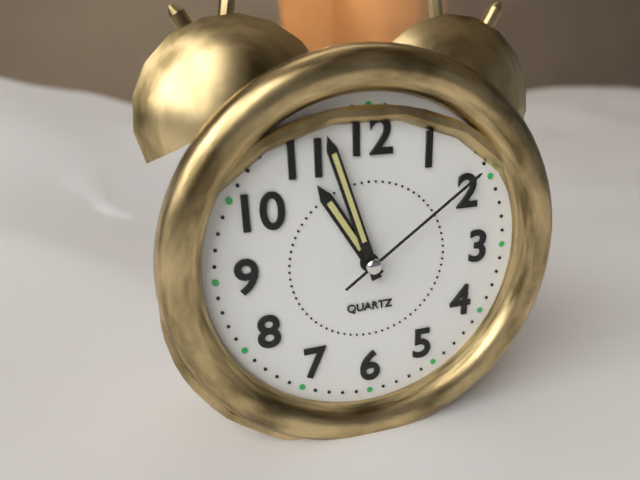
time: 10:57:09
